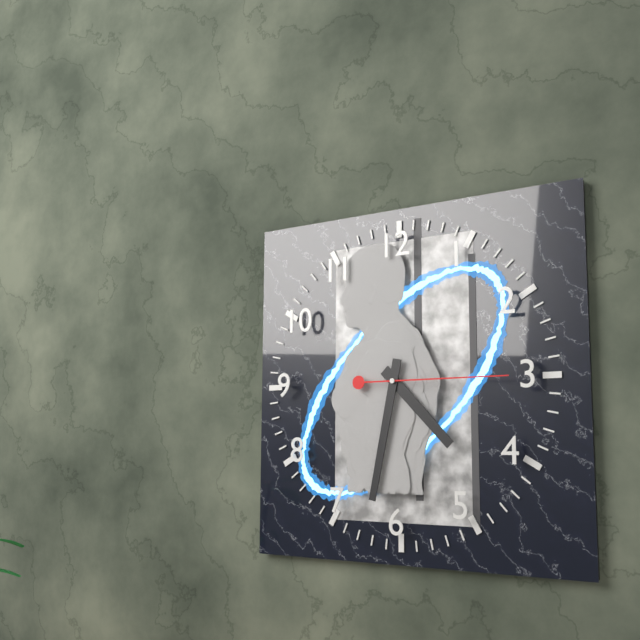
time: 4:32:15
